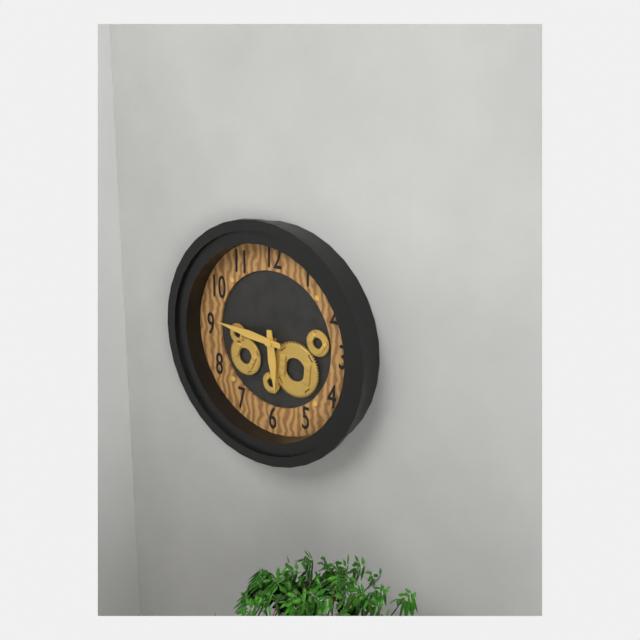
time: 5:46
